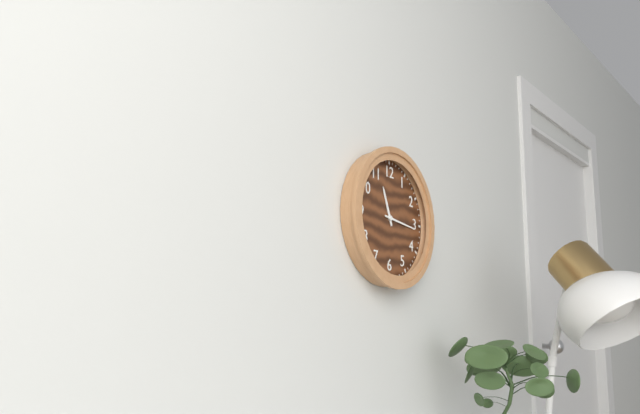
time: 11:16
